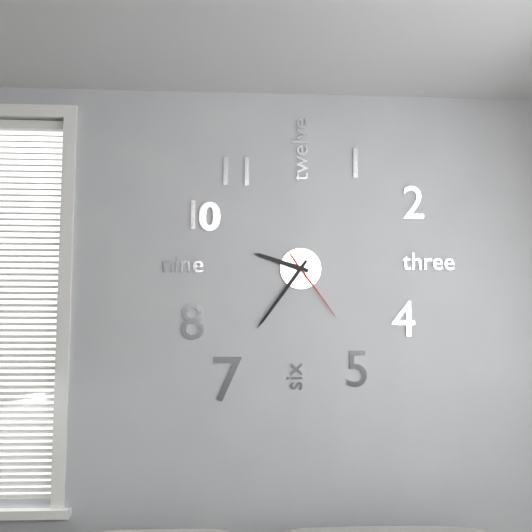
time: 9:36:24
